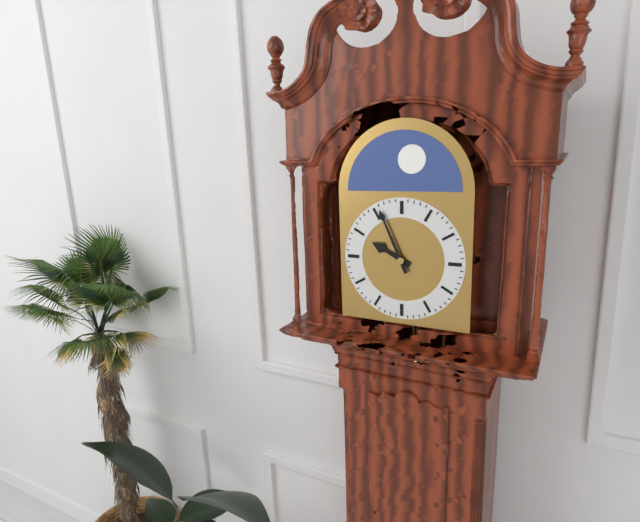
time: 9:56
